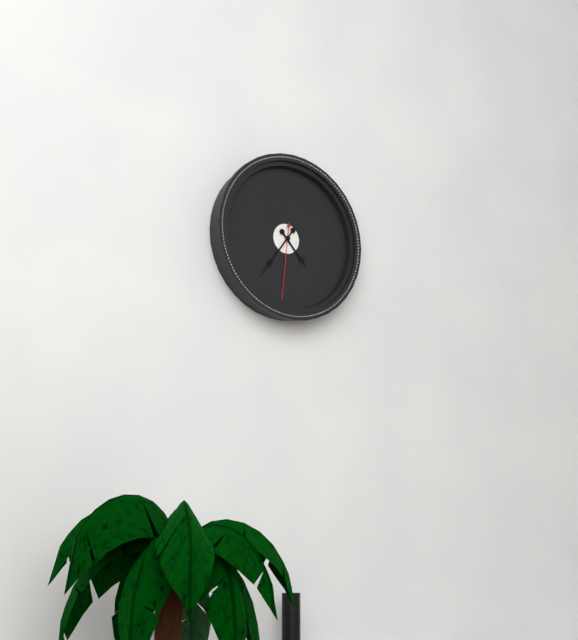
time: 4:36:31
